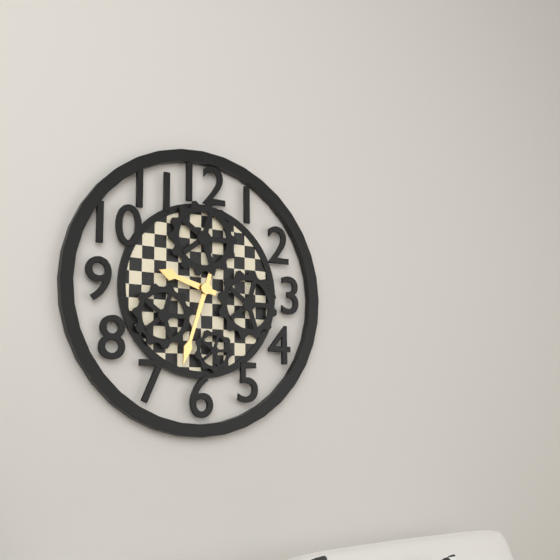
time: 9:33
